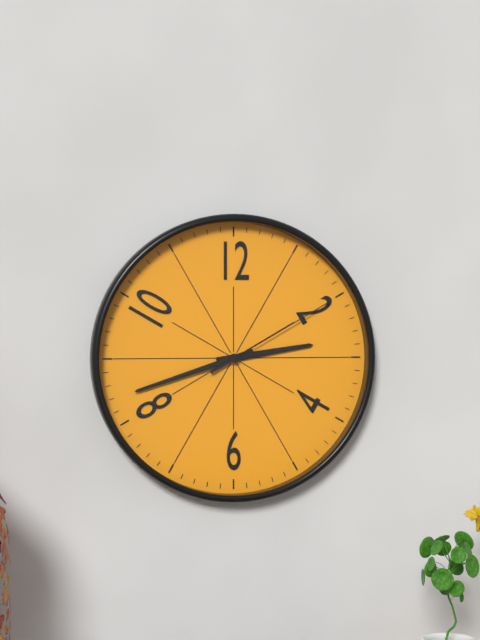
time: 2:42:10
